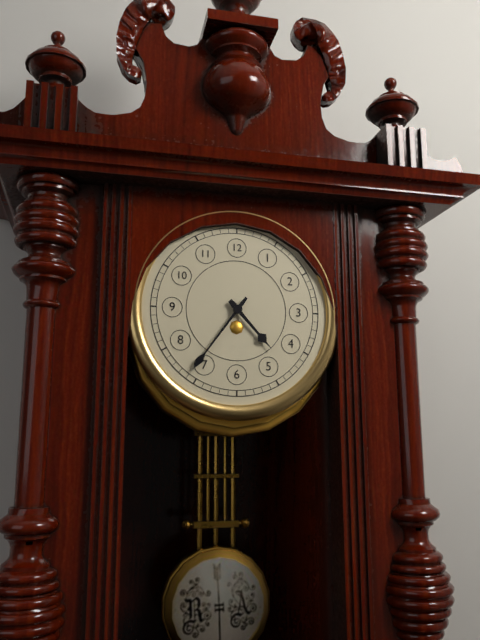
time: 4:36
